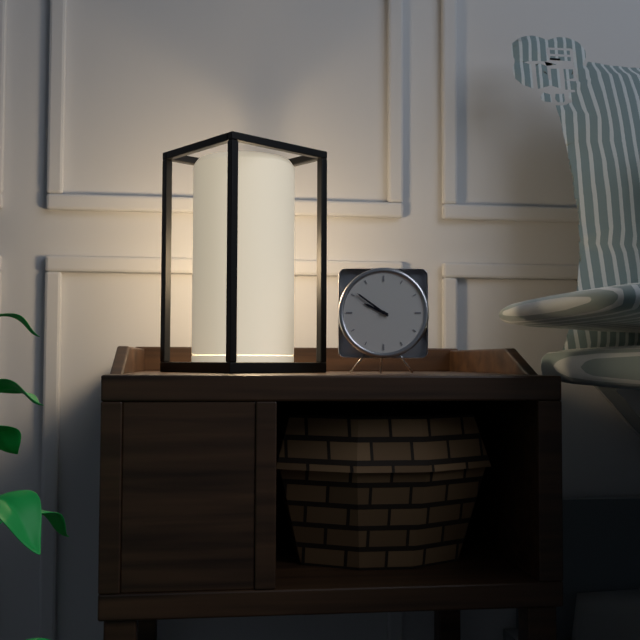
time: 9:51
